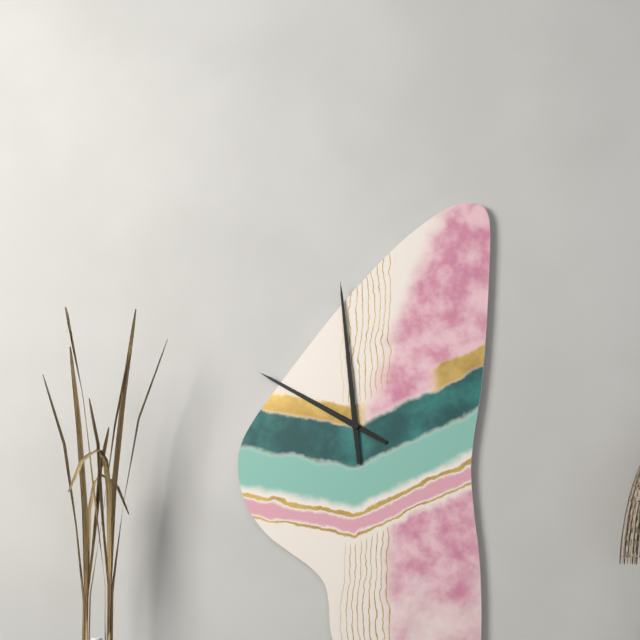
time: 9:59
